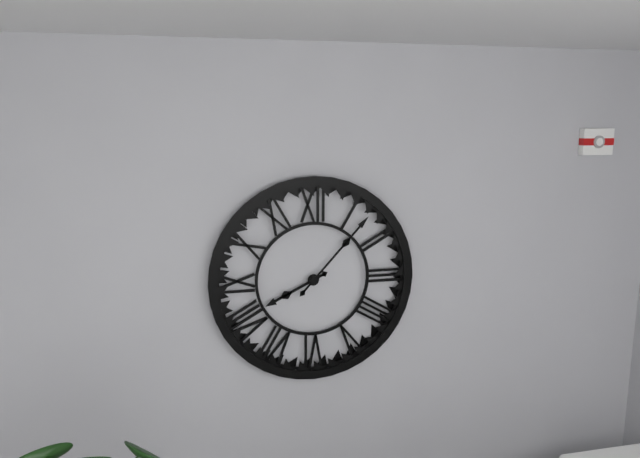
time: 8:07
